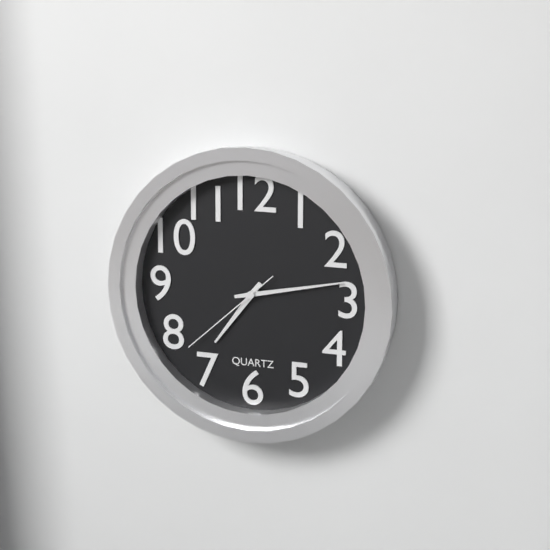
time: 7:13:38
